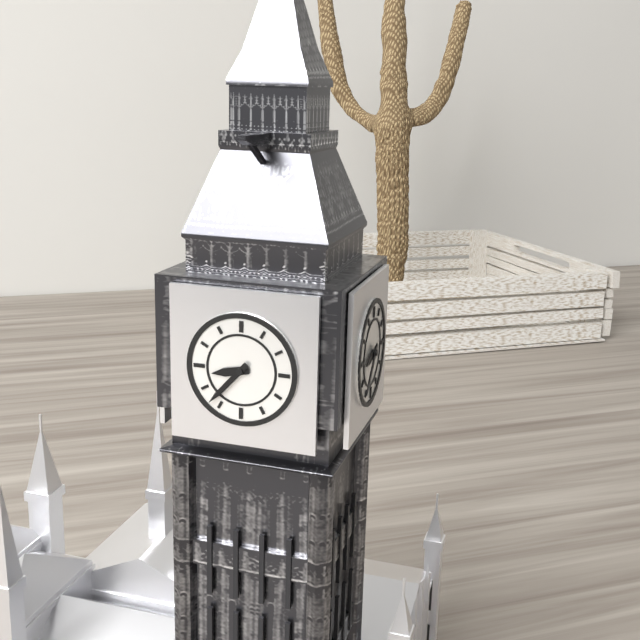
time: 8:37
